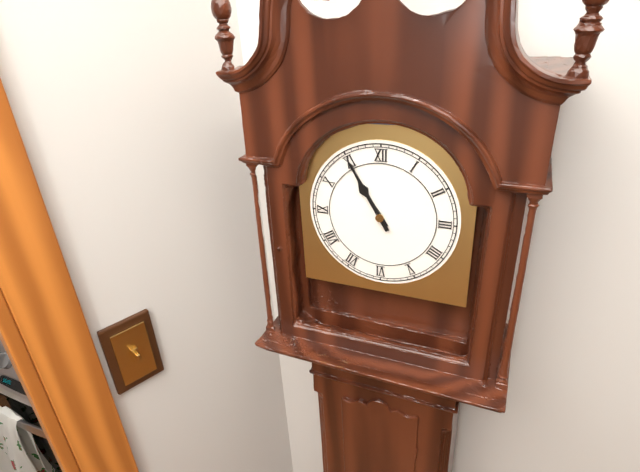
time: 10:55
